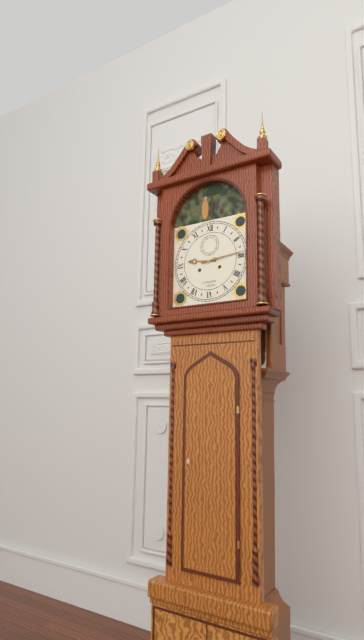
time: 9:14
